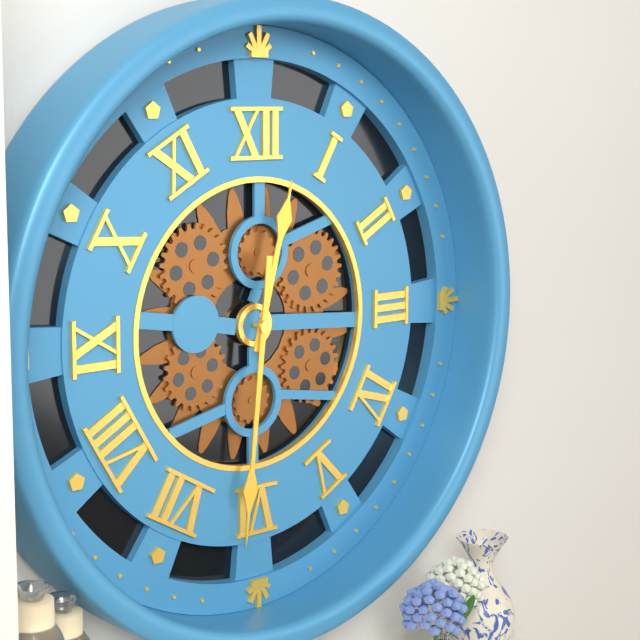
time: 12:31
